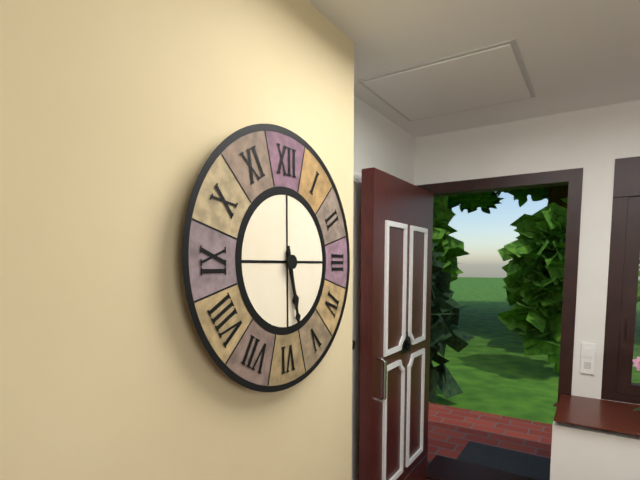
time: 5:28
